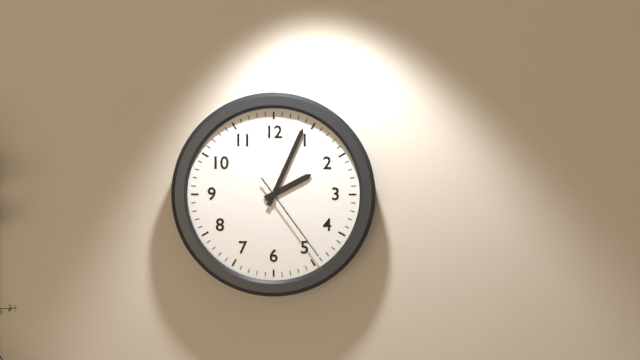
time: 2:04:24
